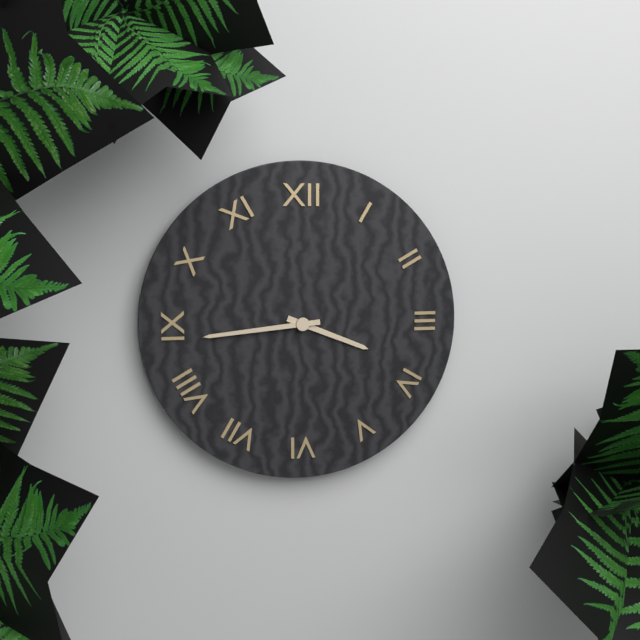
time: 3:44
